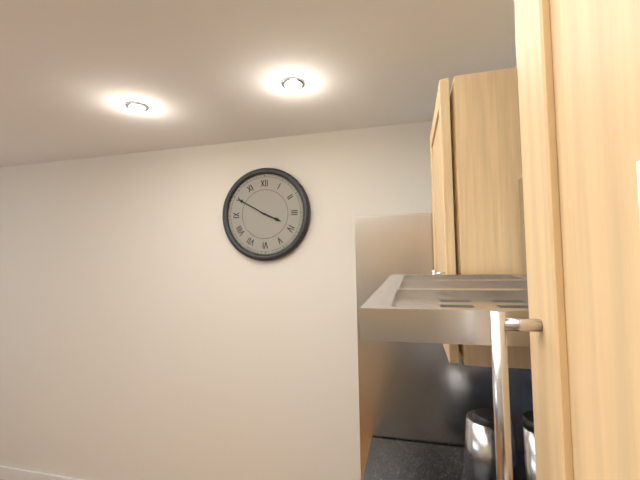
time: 3:50
